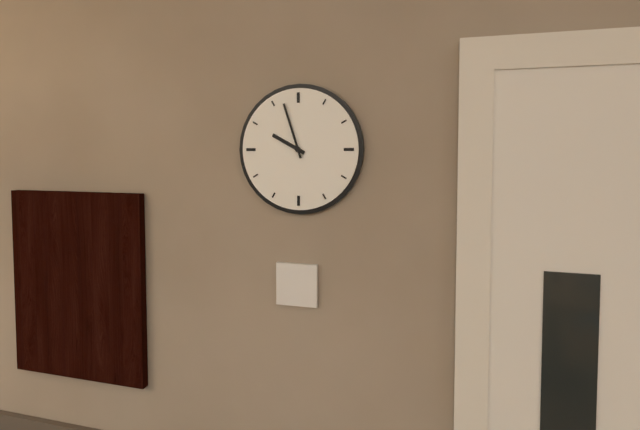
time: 9:57
